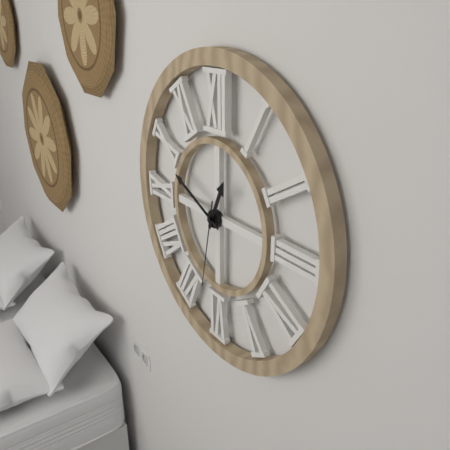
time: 12:49:32
